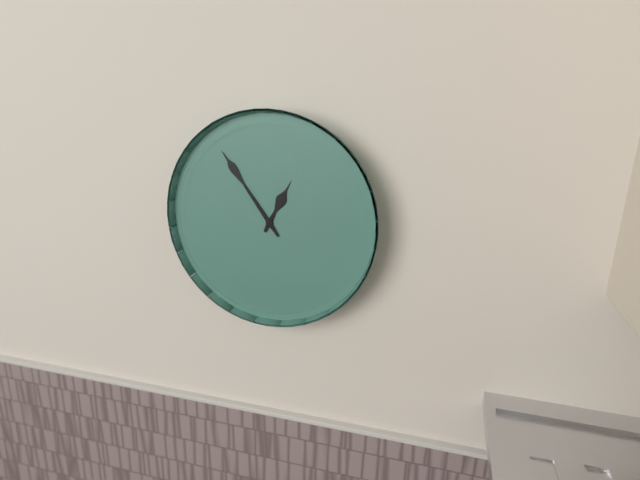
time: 12:54
